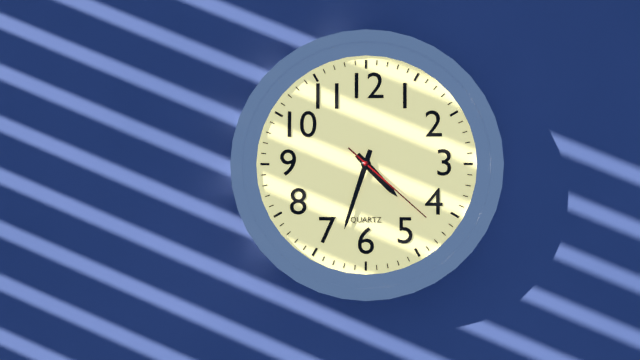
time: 4:33:22
